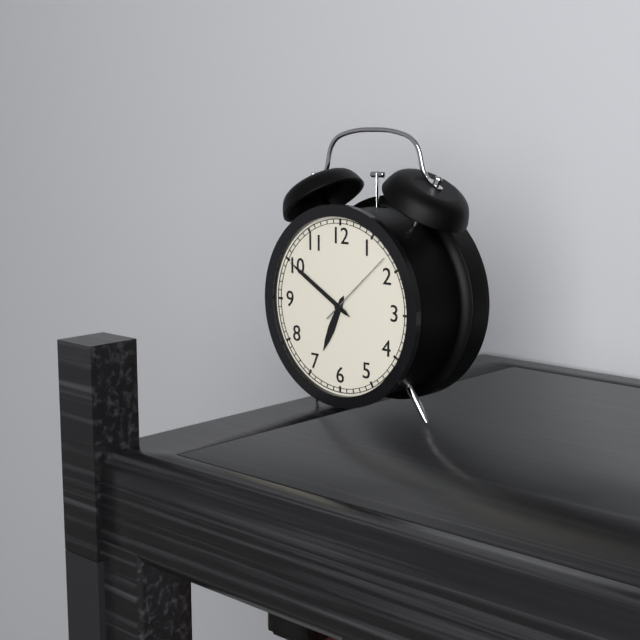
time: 6:50:08
